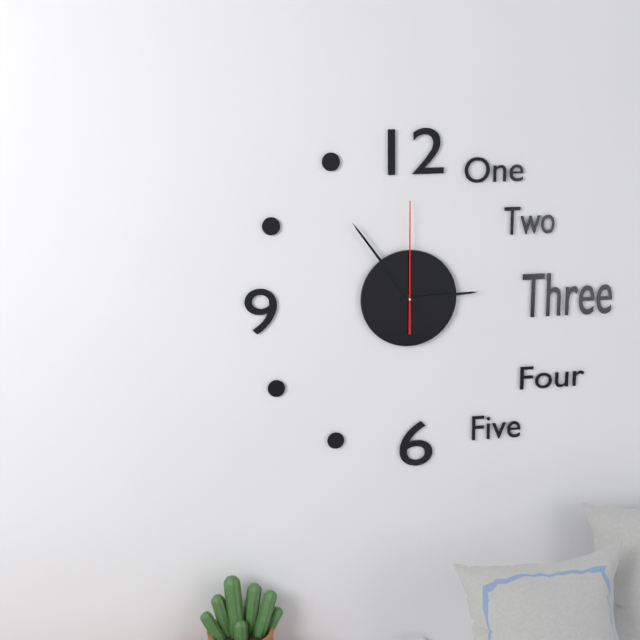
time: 2:54:00
